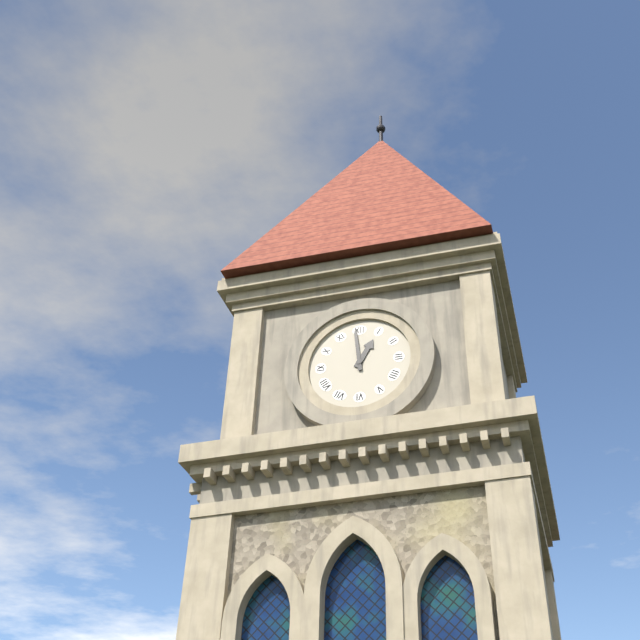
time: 12:59
